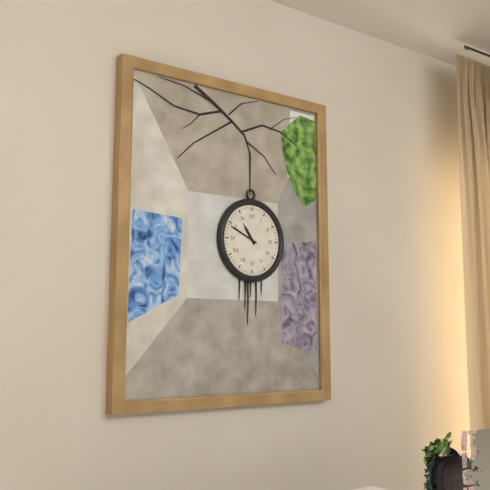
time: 10:49
